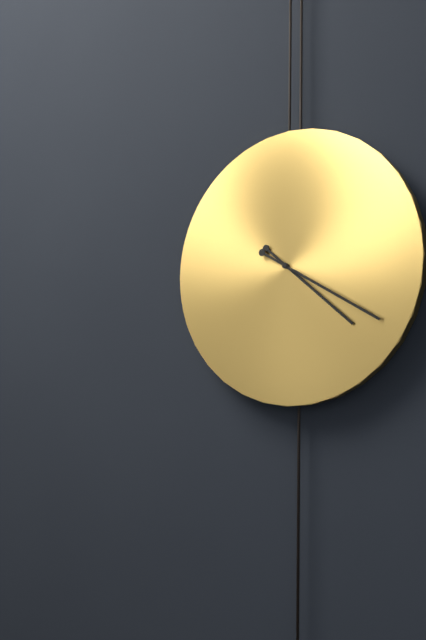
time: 4:20
